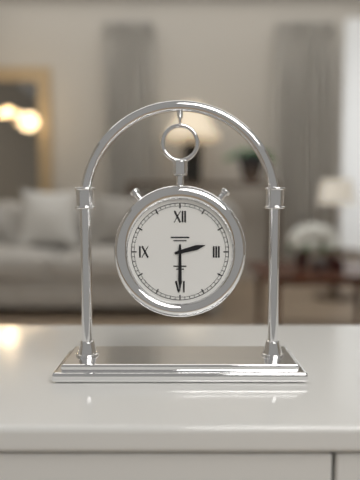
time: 2:30
